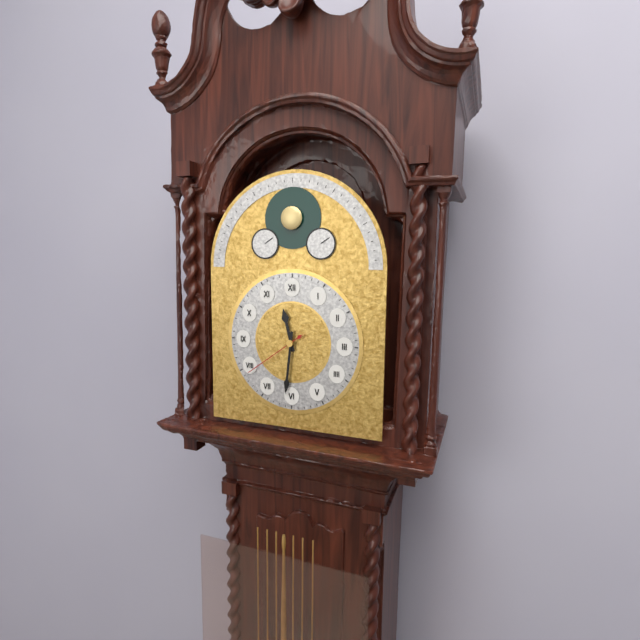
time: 11:31:39
